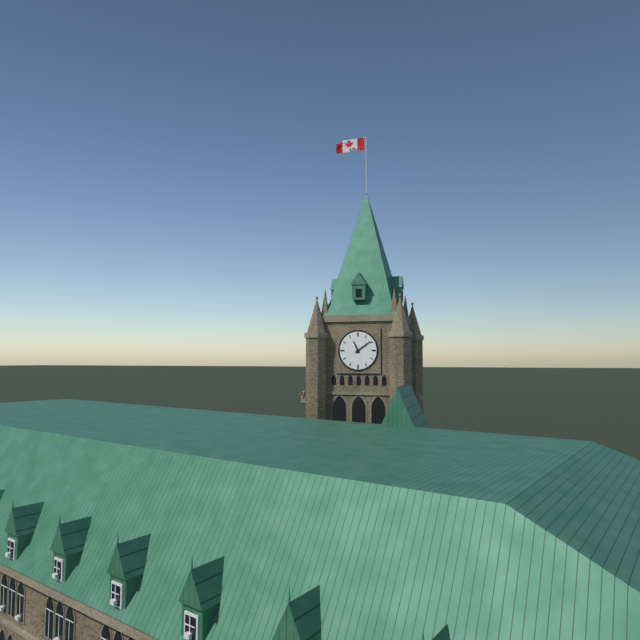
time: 11:09
